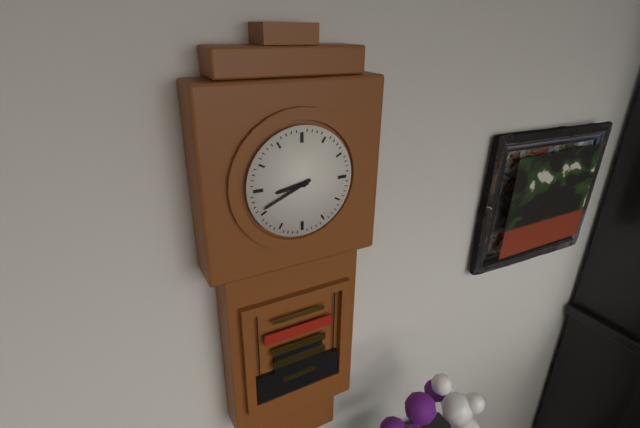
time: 8:41
